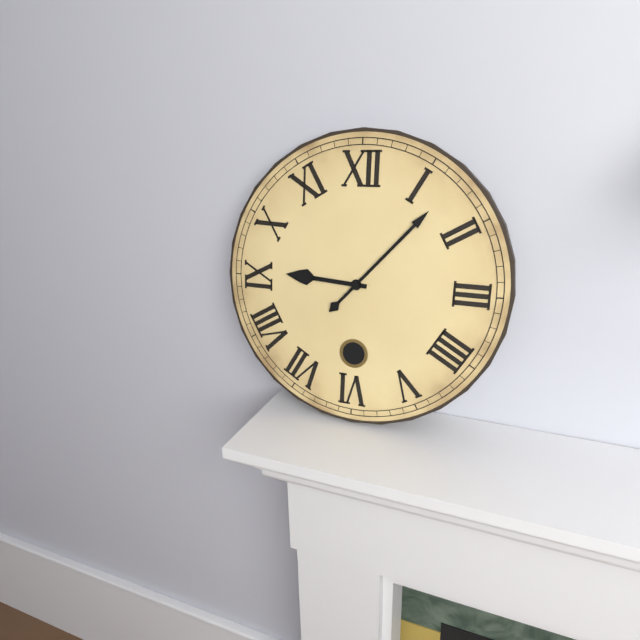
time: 9:07
